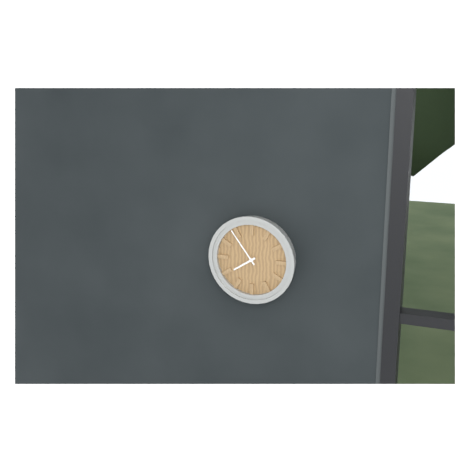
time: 7:54
